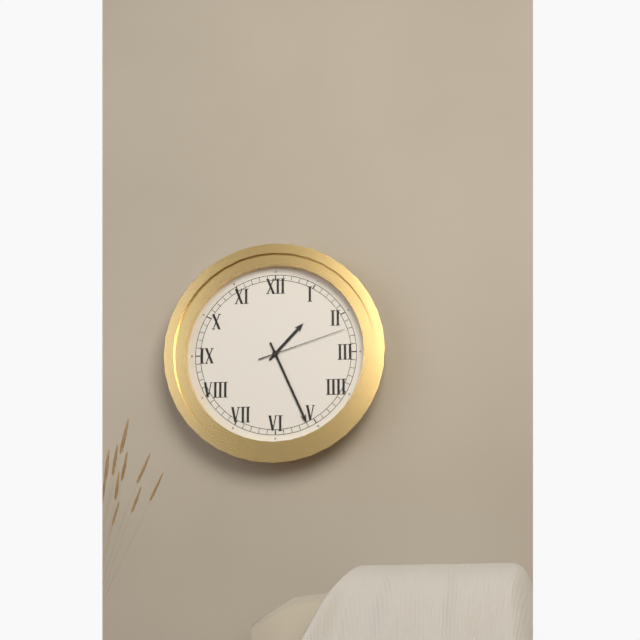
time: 1:26:12
